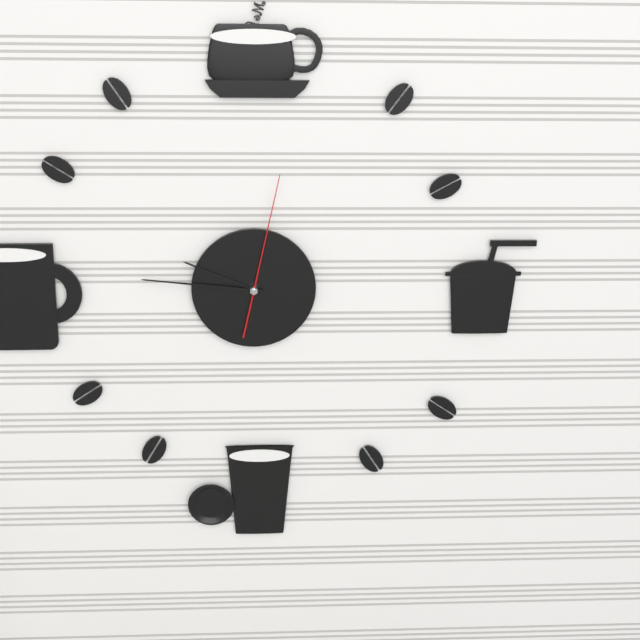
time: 9:46:02
